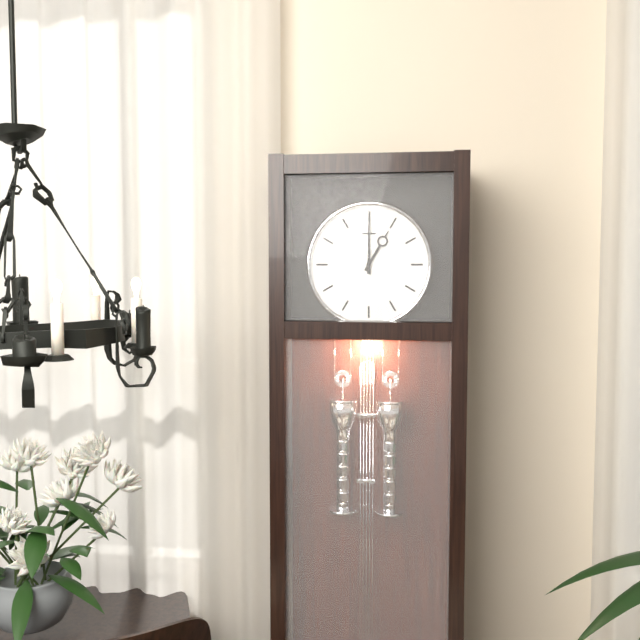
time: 1:00
